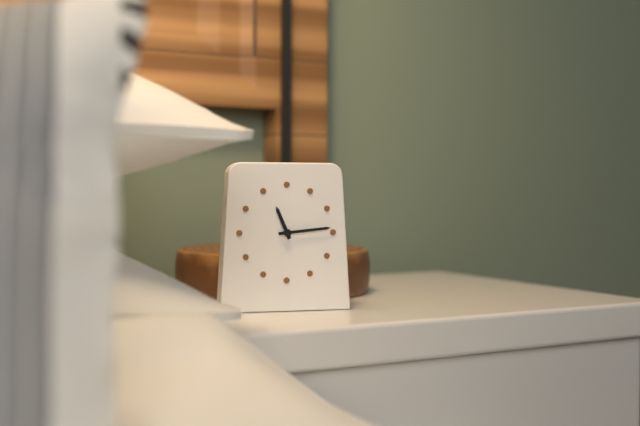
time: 11:14
